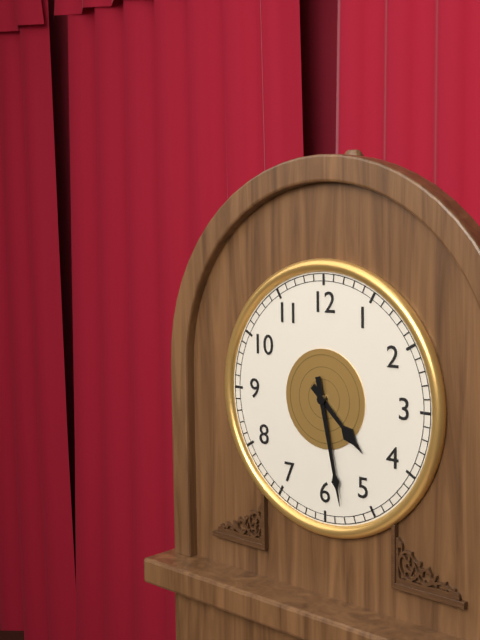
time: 4:28
